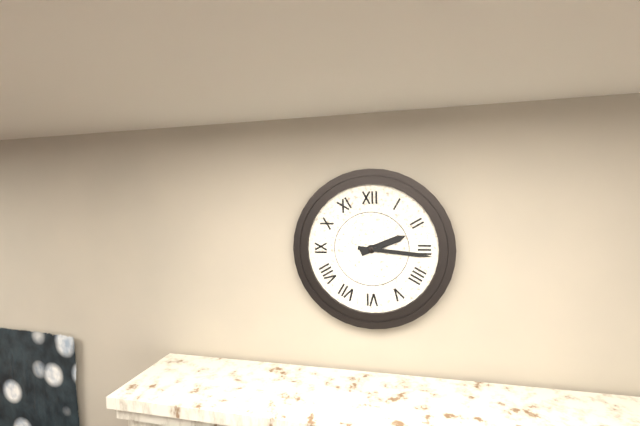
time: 2:16
